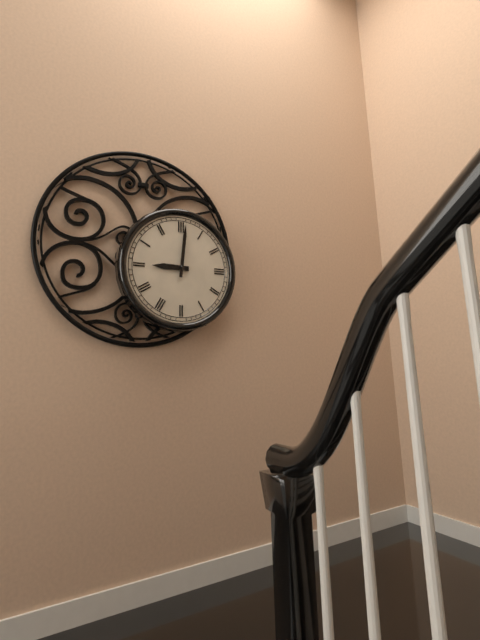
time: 9:01
